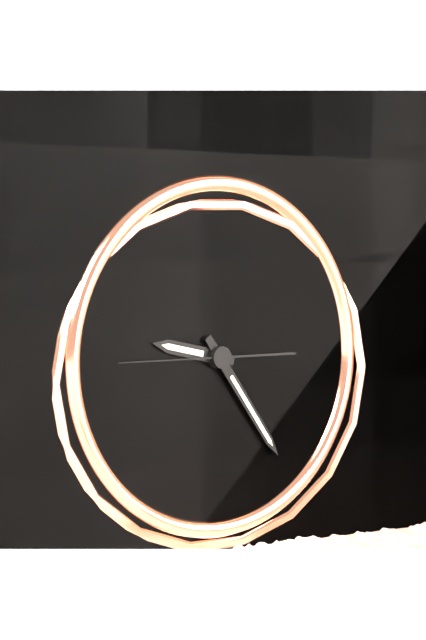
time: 9:24:45
